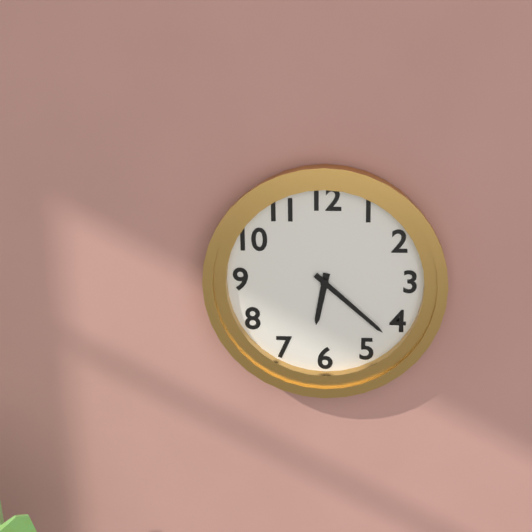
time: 6:22
